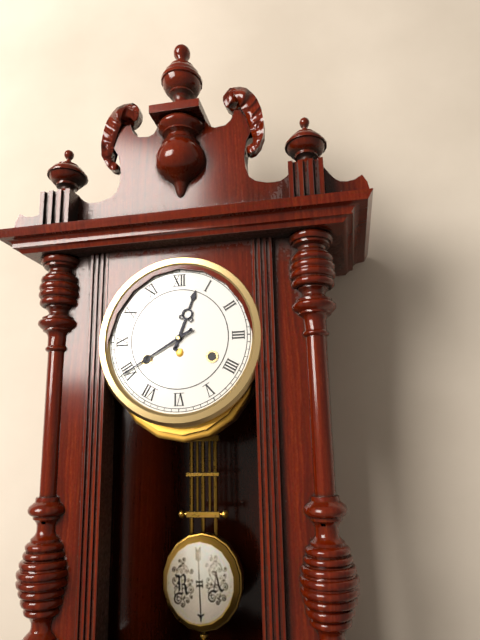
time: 12:40
